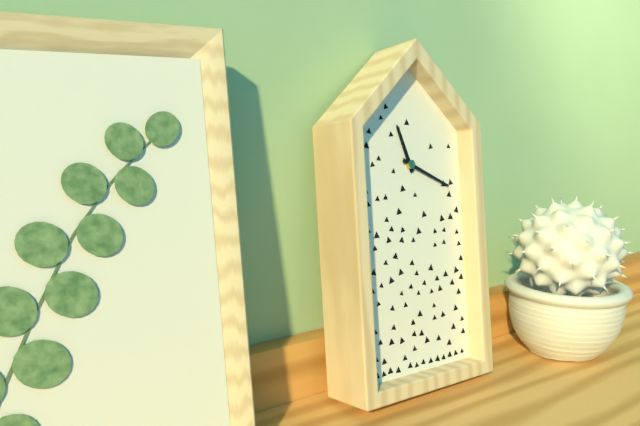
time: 11:19
